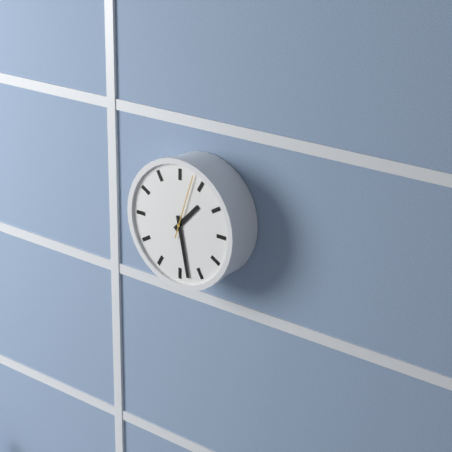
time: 1:28:03
